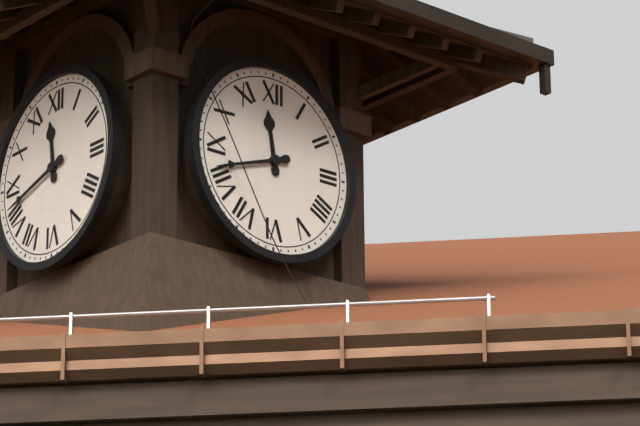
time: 11:42
